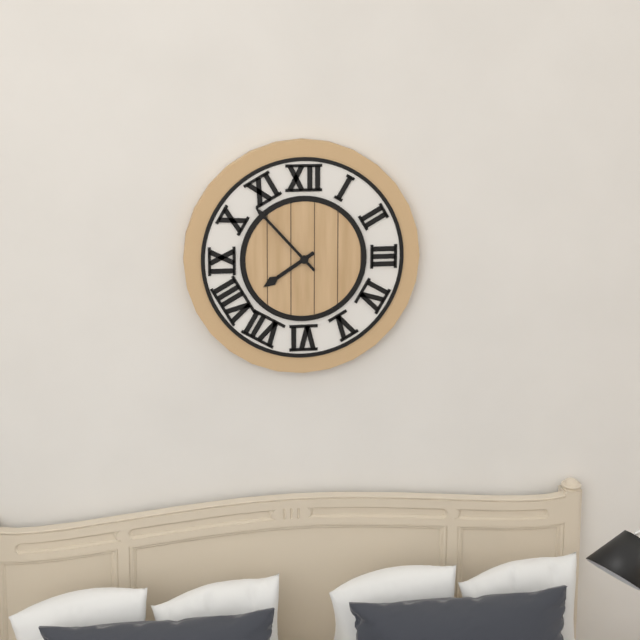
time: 7:53
